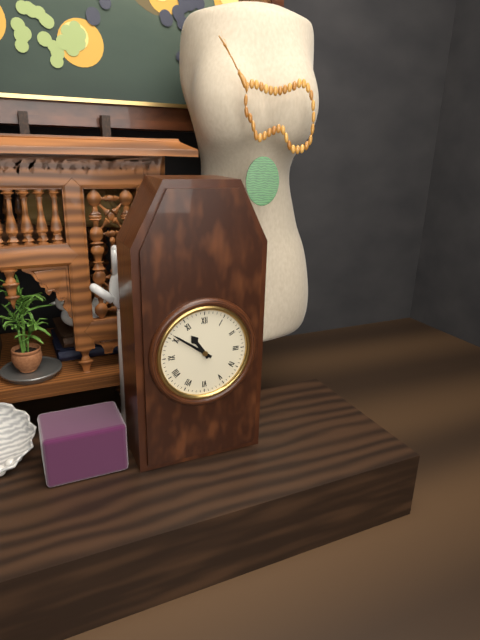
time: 10:51
